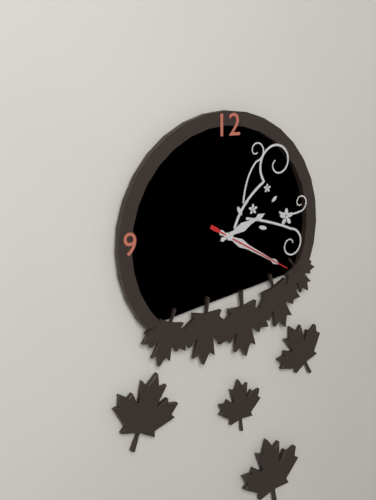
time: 2:20:20
